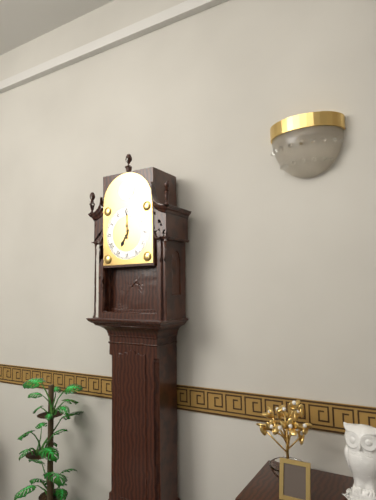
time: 7:00
